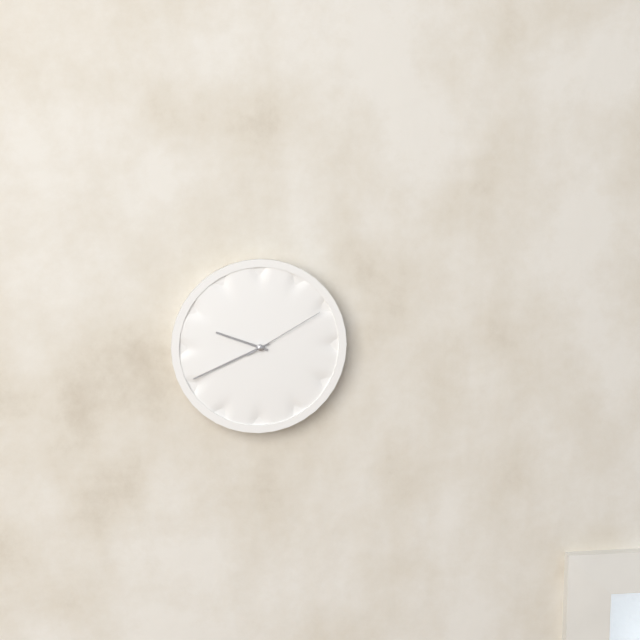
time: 9:41:10
